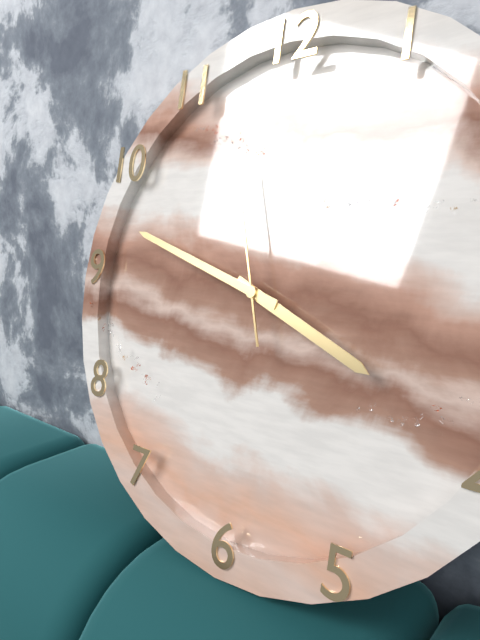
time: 3:48:57
